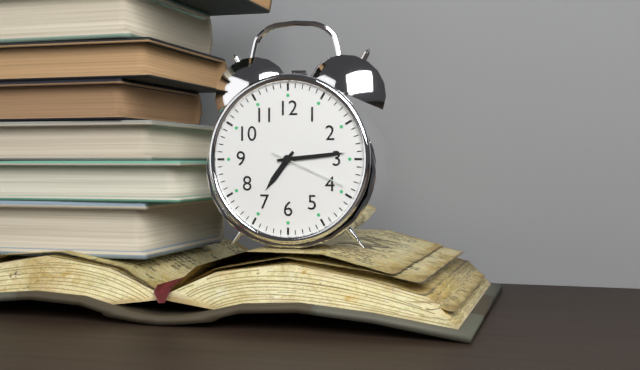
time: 7:14:19
